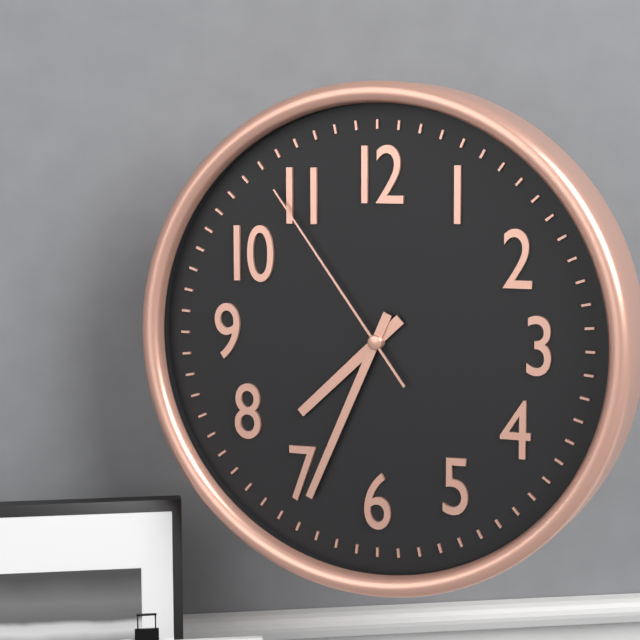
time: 7:34:54
